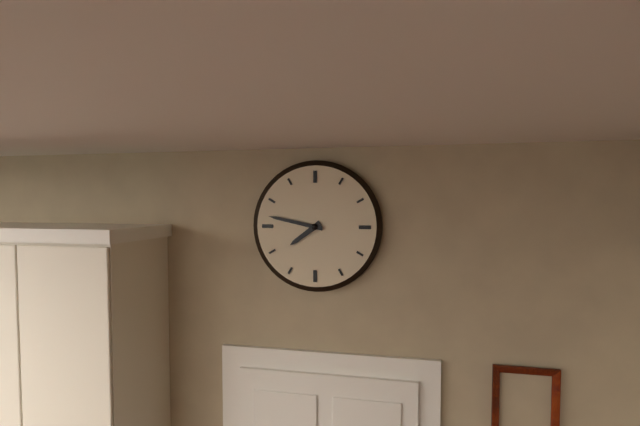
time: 7:47
